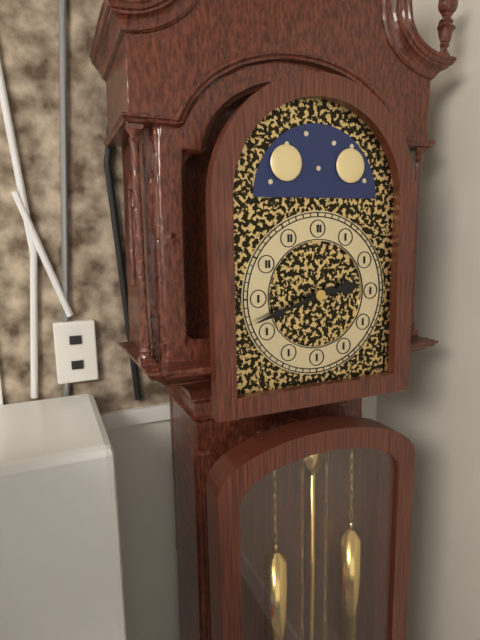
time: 2:42
